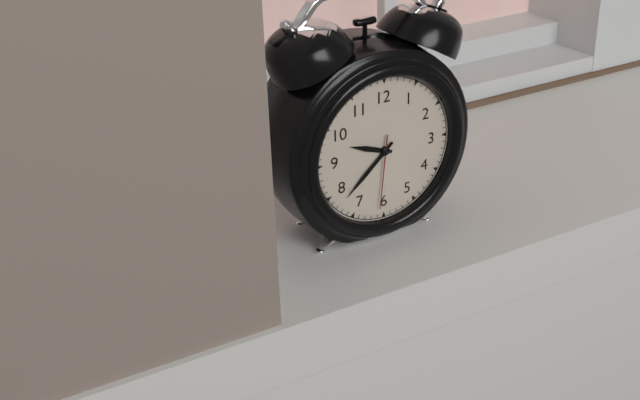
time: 9:38:31
